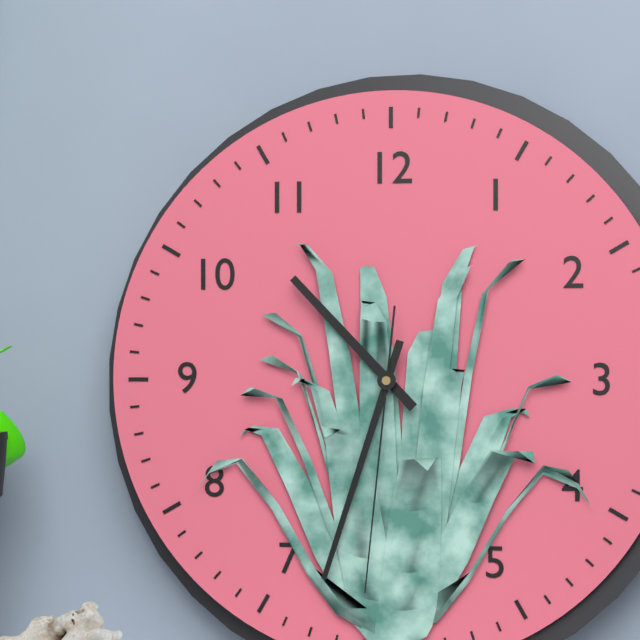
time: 10:33:31
